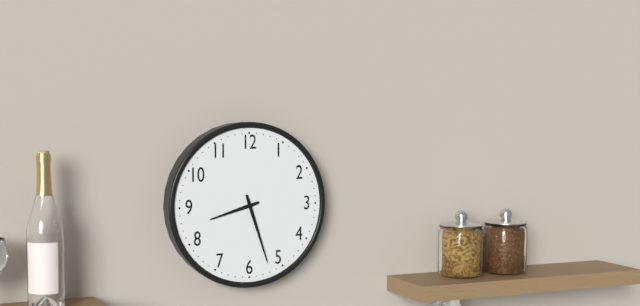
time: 8:27
